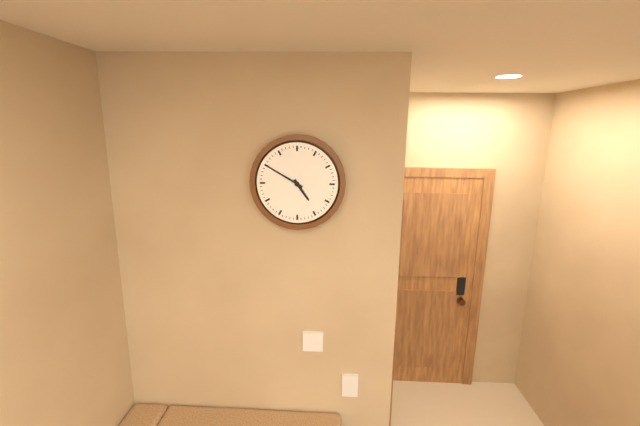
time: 4:50
